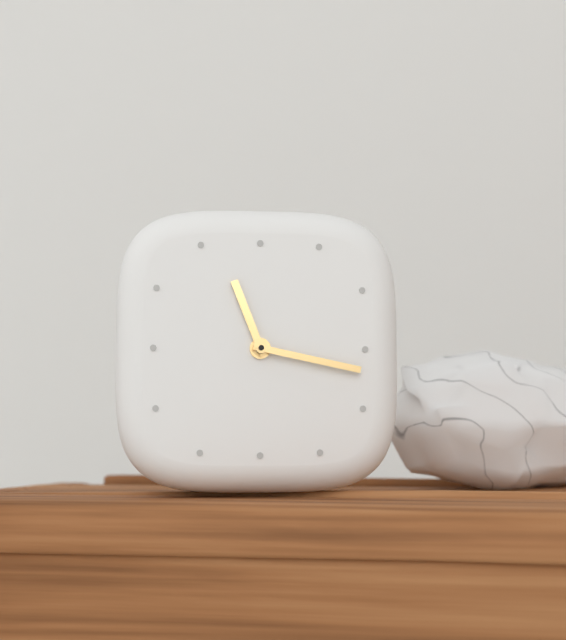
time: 11:17
